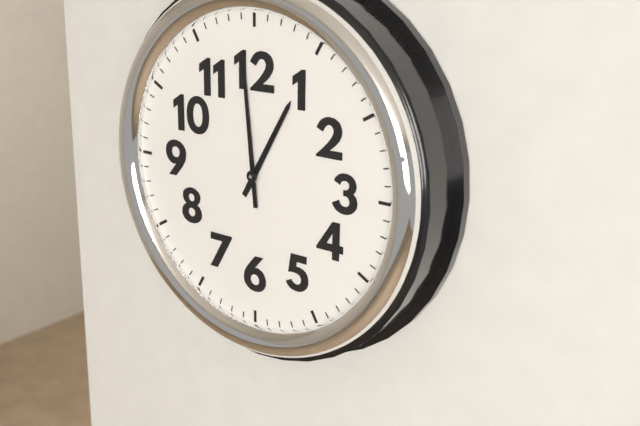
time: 12:59
